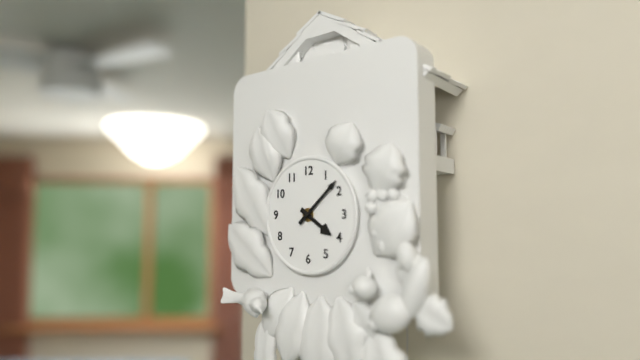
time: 4:08
